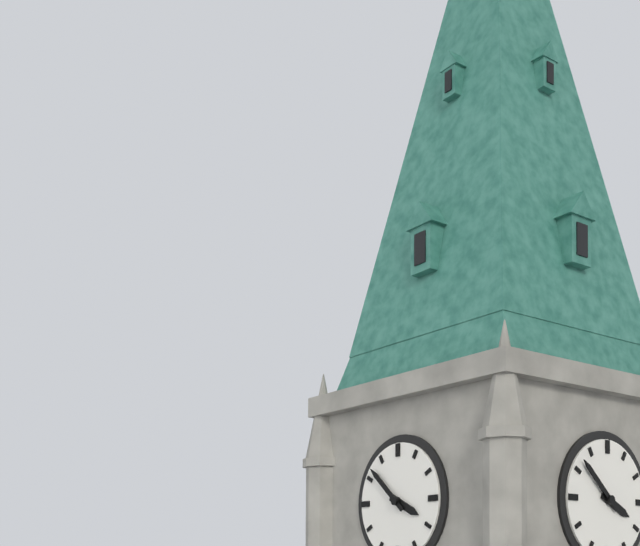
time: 3:52
